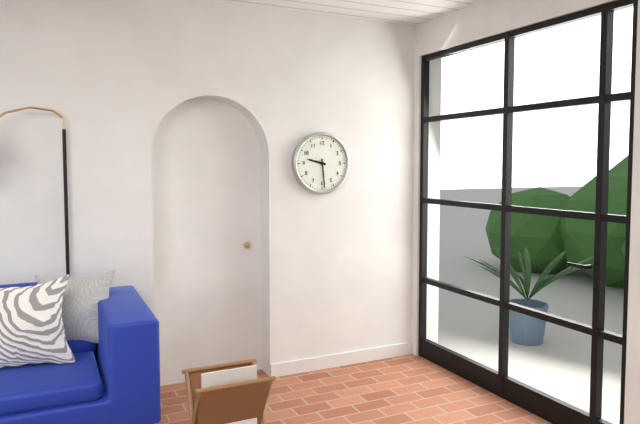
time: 9:29
